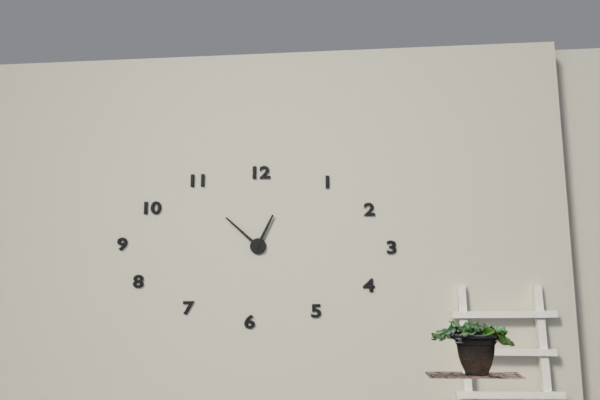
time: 12:52
